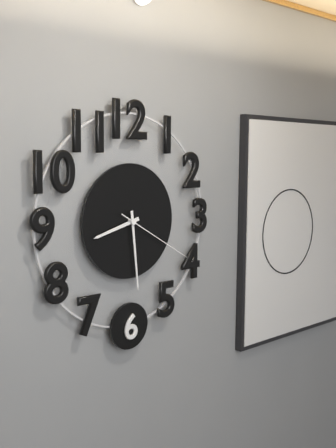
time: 8:29:20
